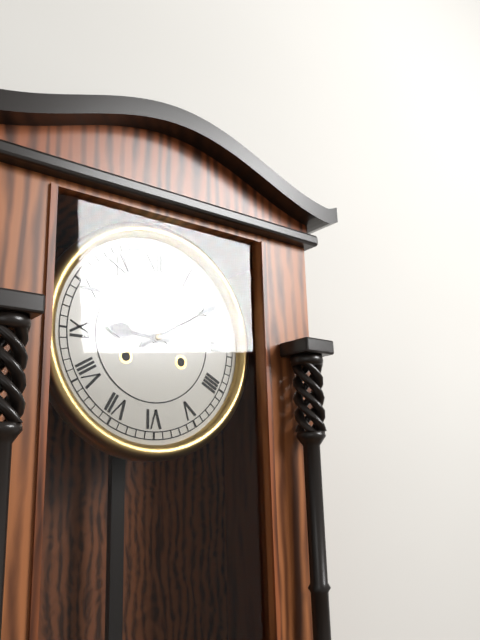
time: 9:10
